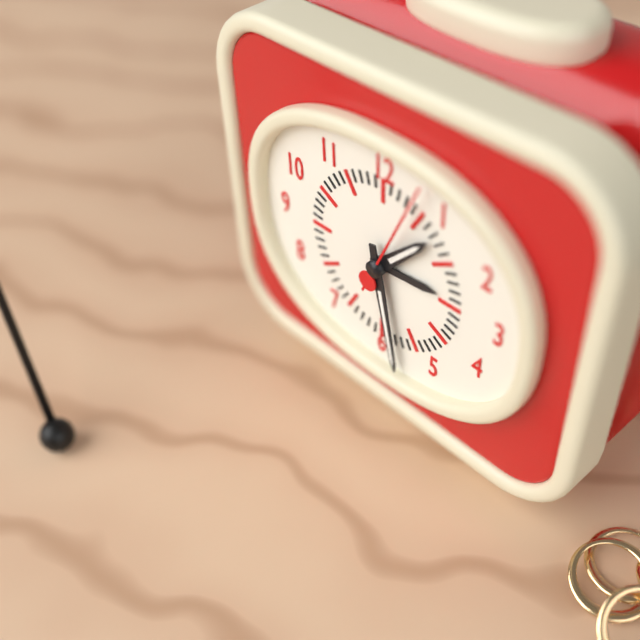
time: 1:28:04
